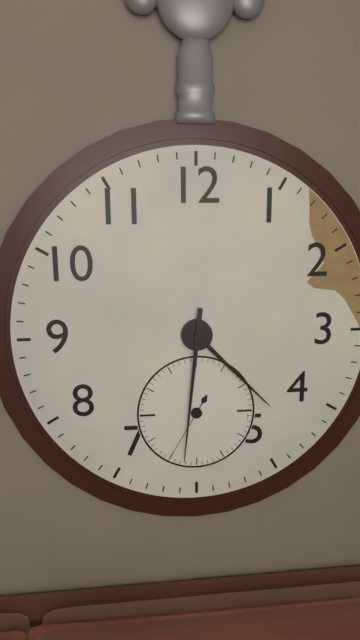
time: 4:31:35
